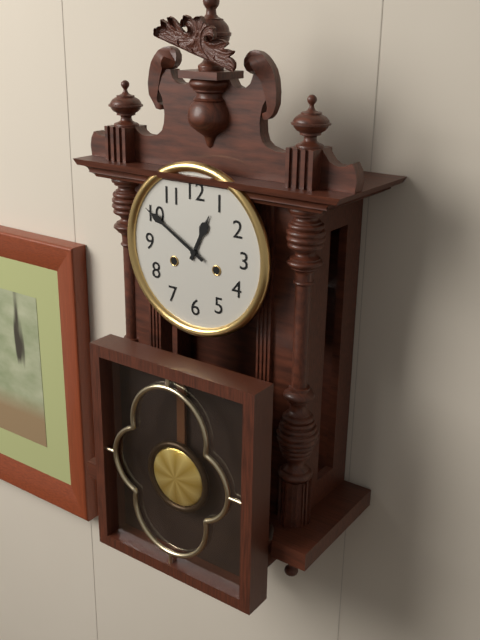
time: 12:50
